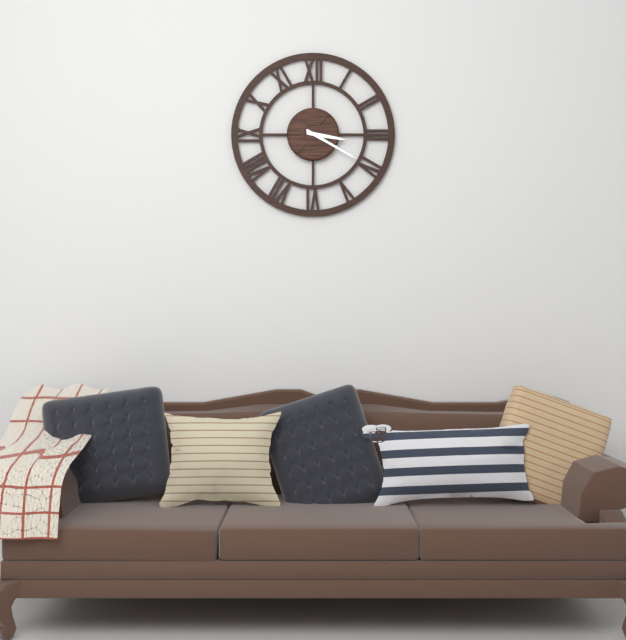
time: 3:20
